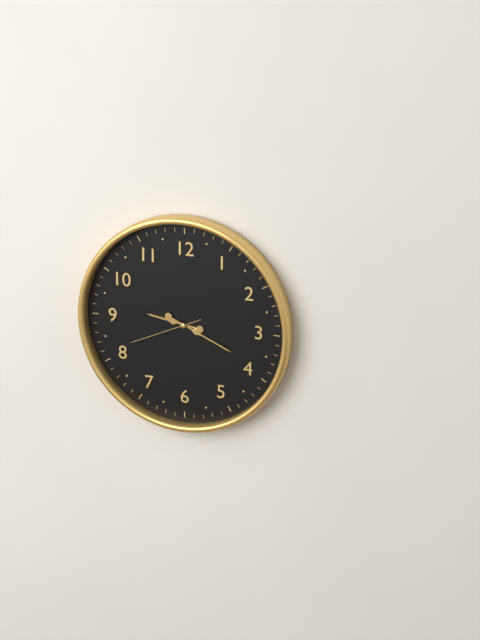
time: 9:19:41
